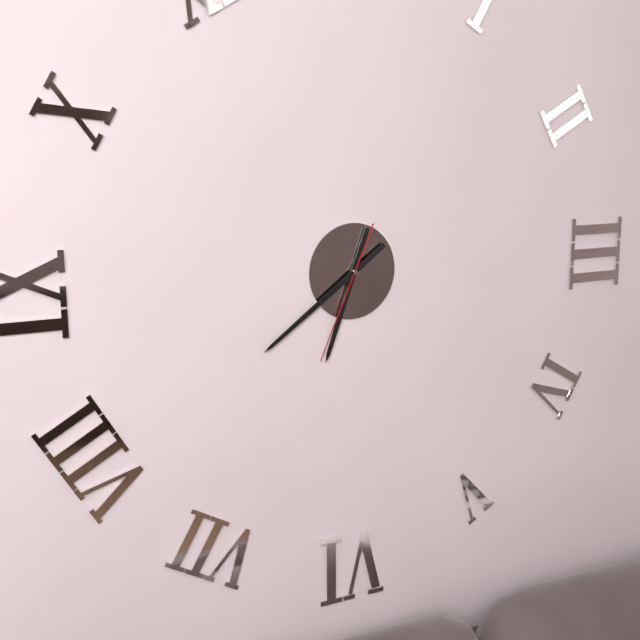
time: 6:39:34
